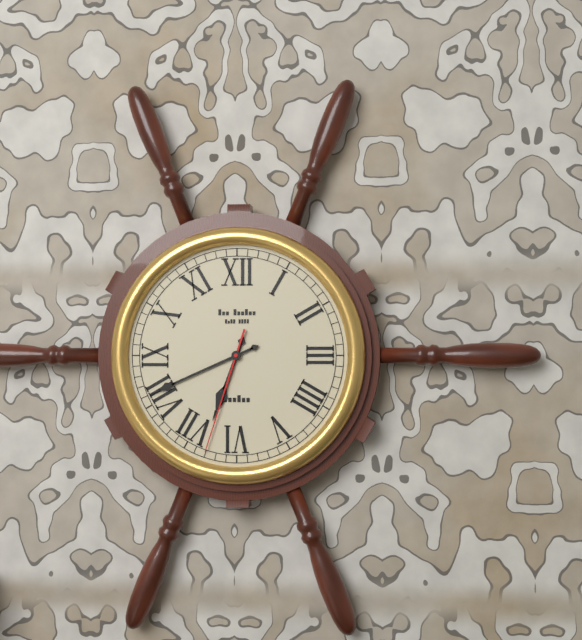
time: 6:41:33
